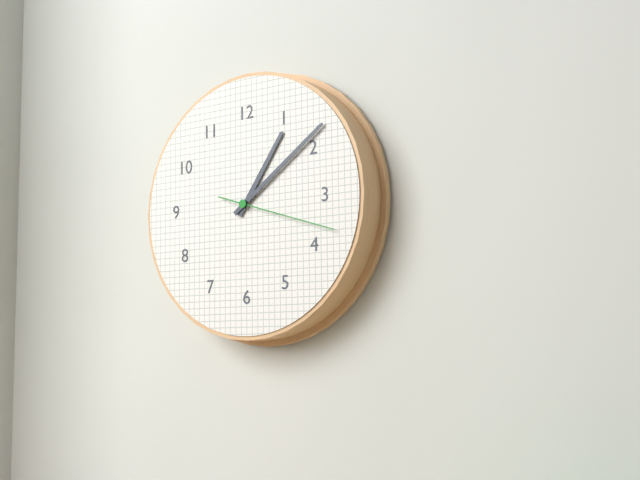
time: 1:09:18
